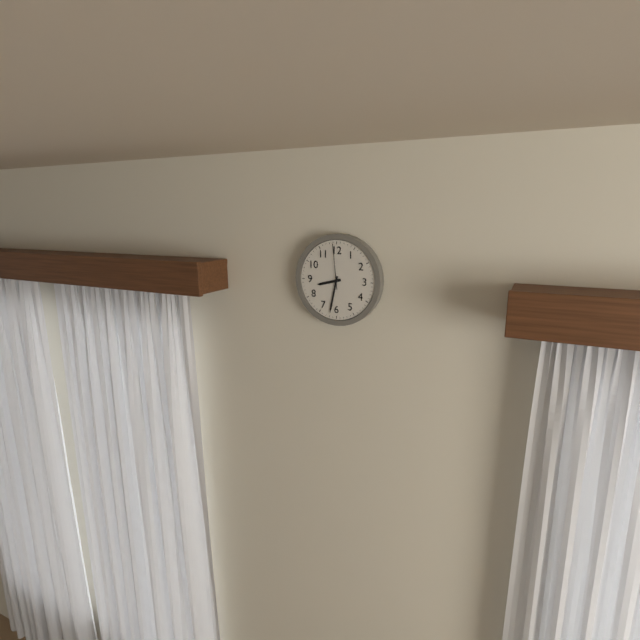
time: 8:32
